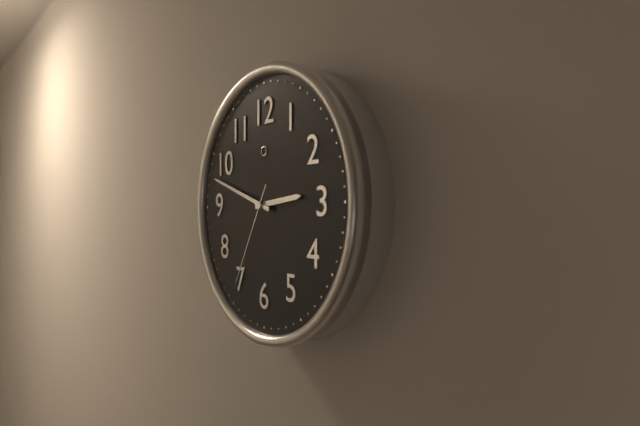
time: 2:48:35
